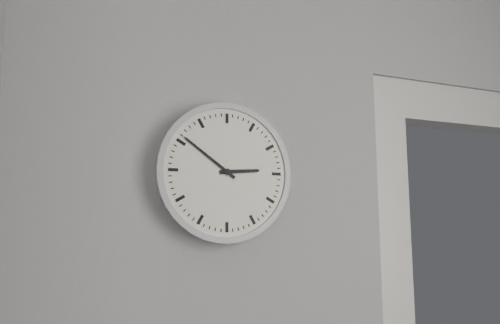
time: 2:51
